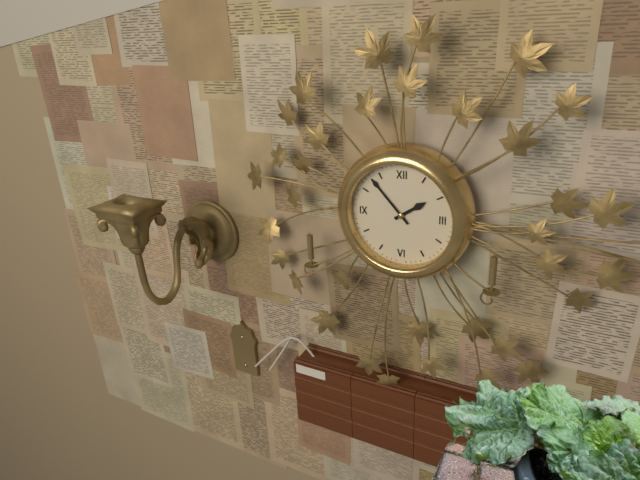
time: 1:53
